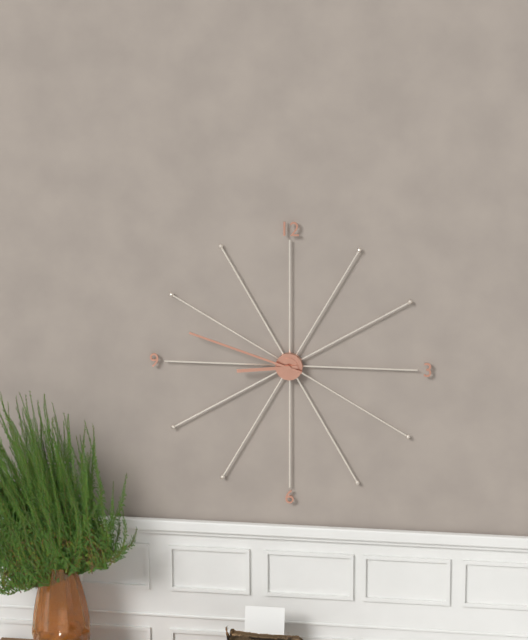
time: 8:48
